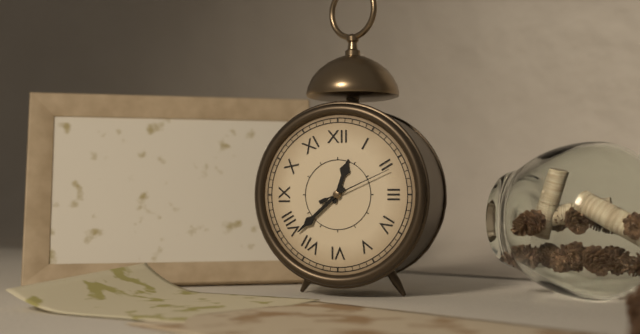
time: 12:38:11
